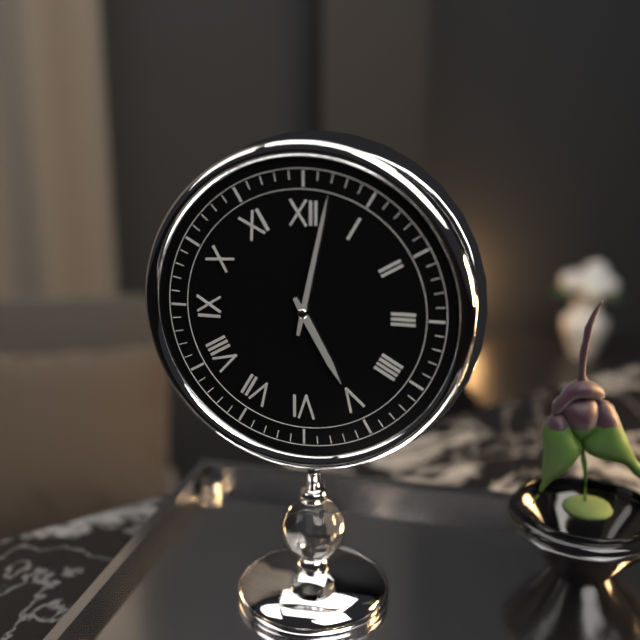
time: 5:02
